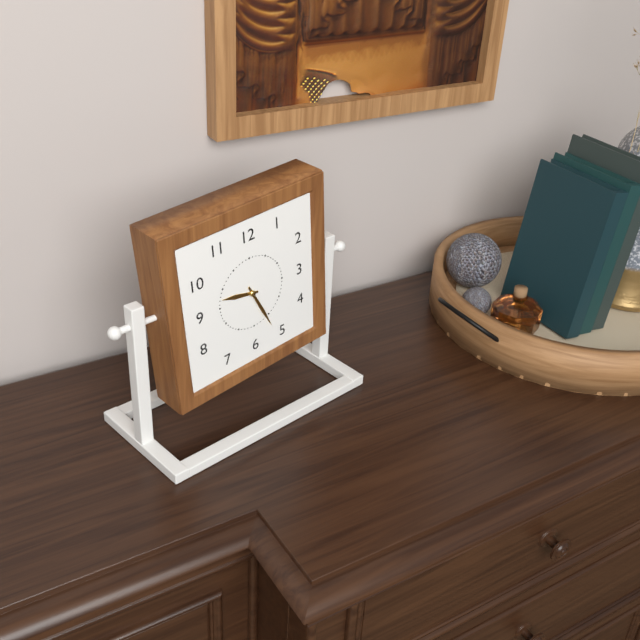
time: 9:26
